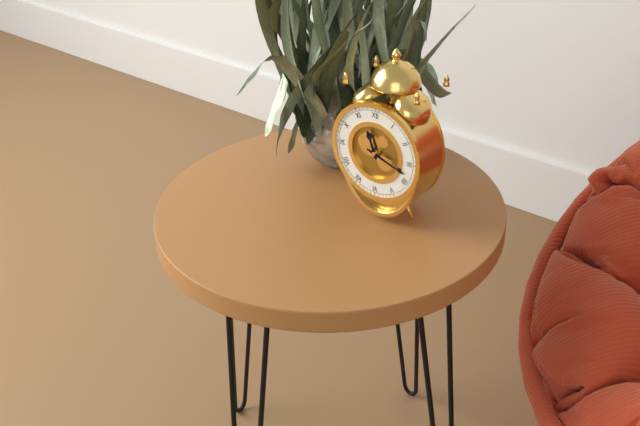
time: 11:18
